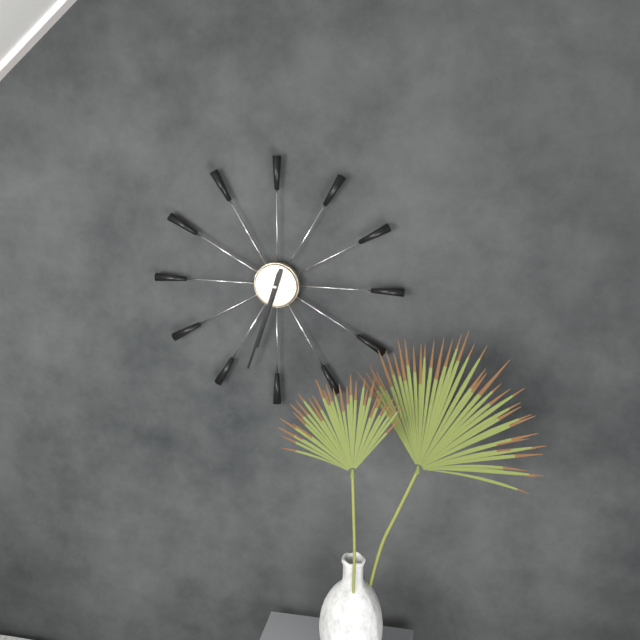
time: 6:33
